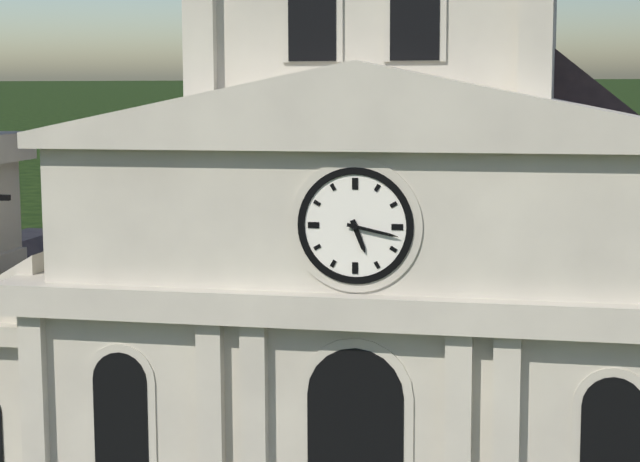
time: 5:17
